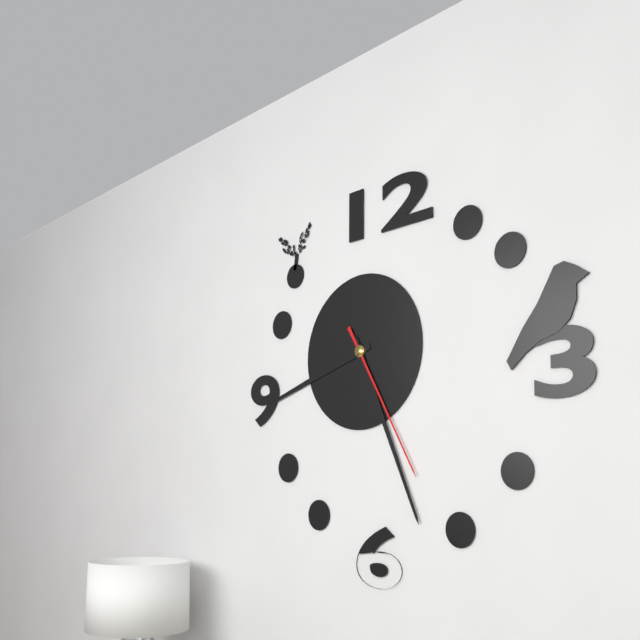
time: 8:26:25
